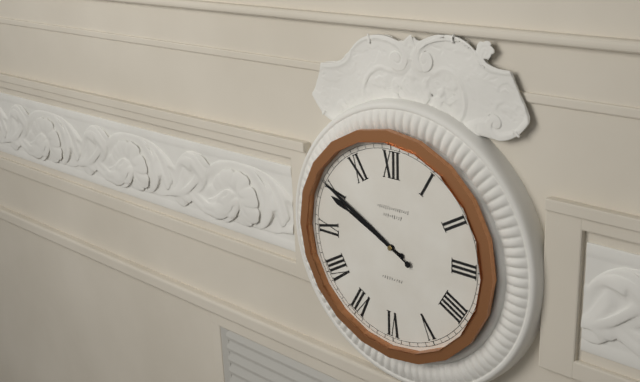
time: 9:50
